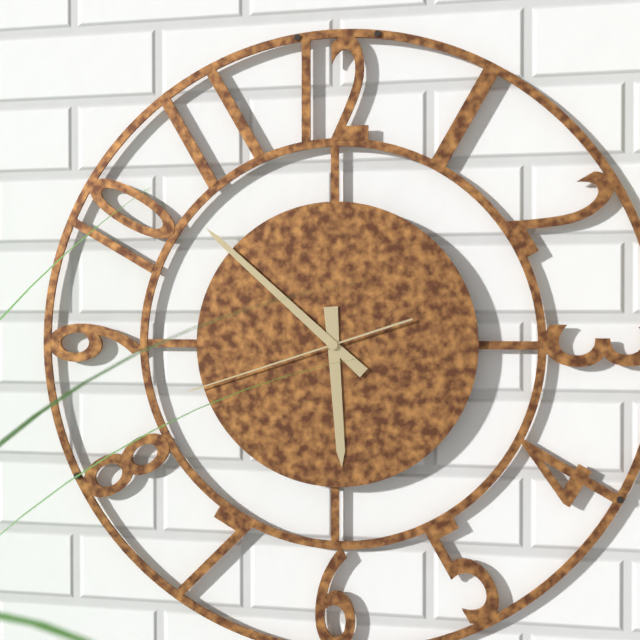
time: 5:52:42
